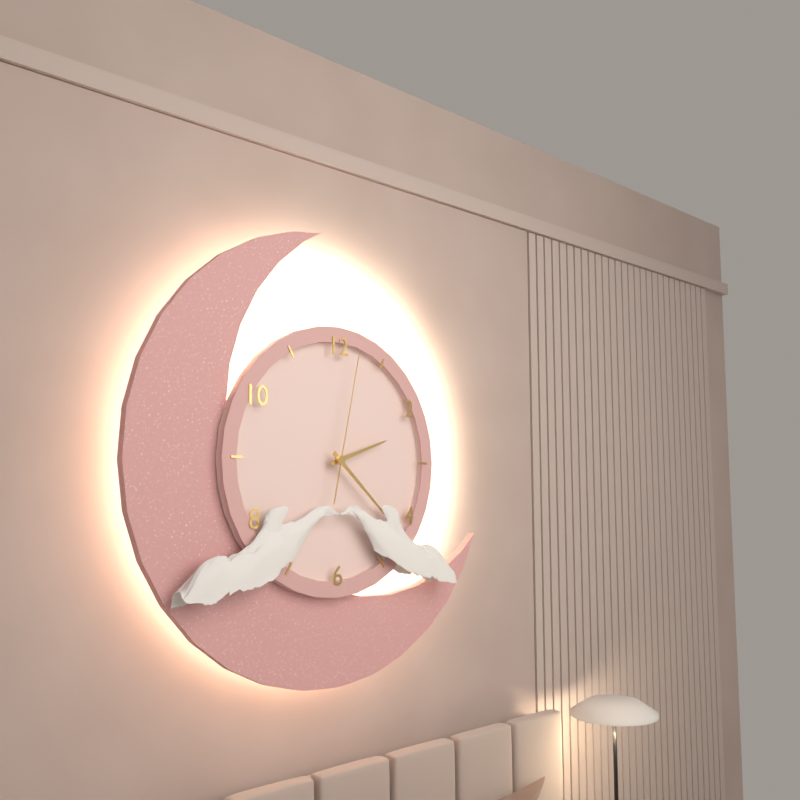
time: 2:22:02
